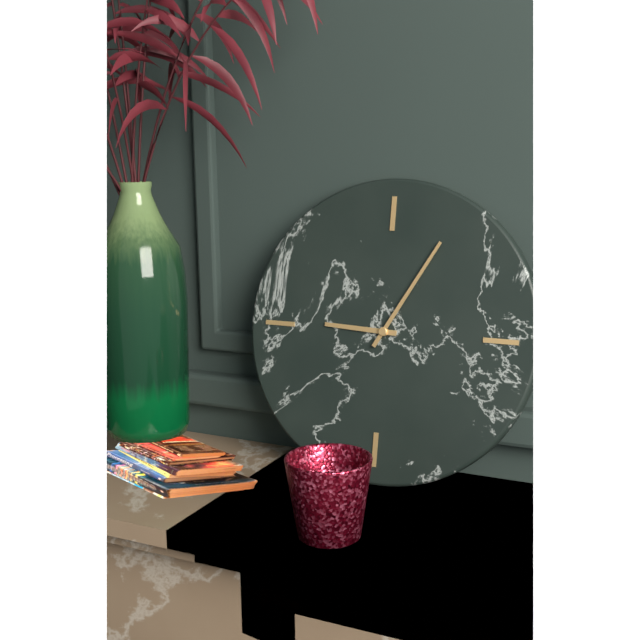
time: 9:05
